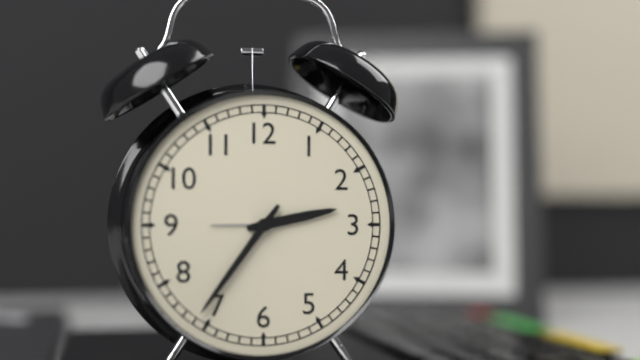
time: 2:36
